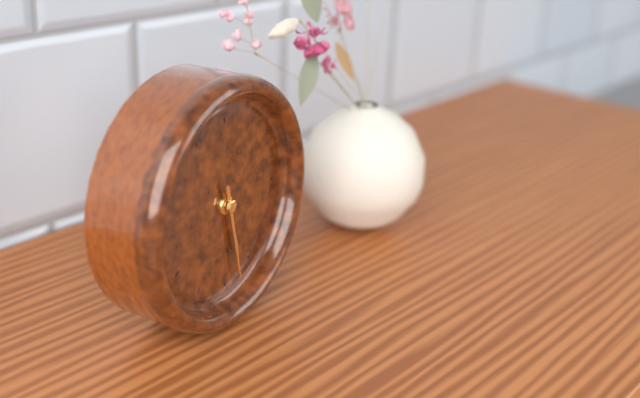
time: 5:28
